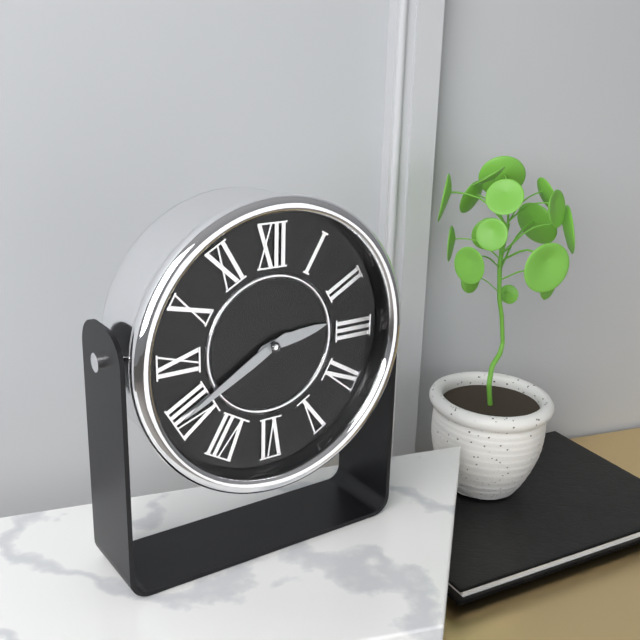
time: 2:40
